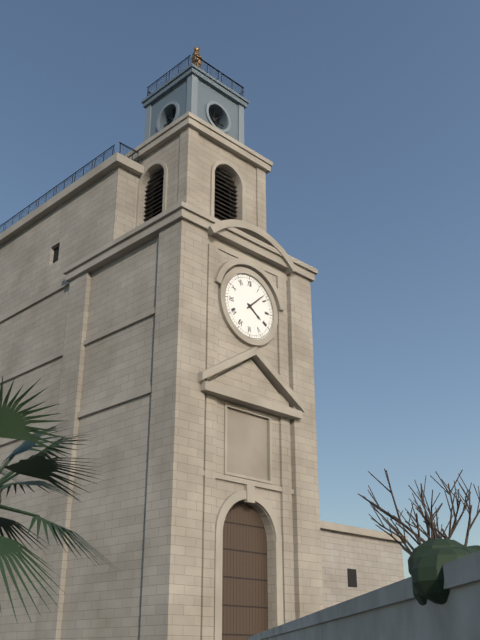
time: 4:08
